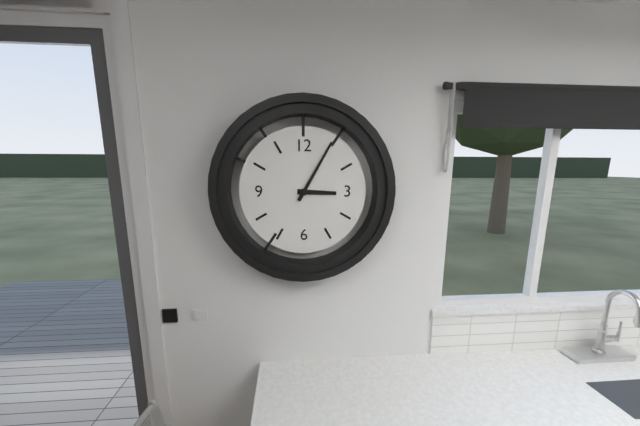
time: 3:05
